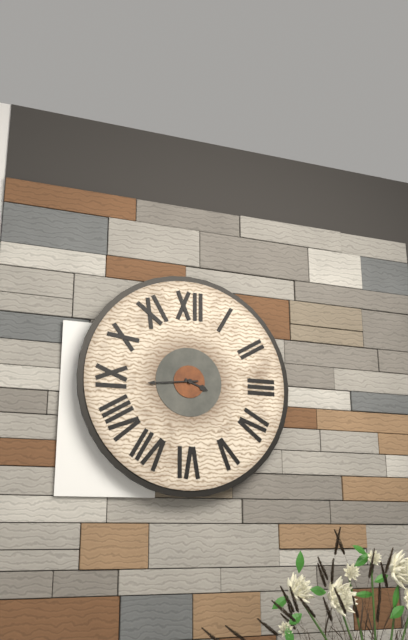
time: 3:44
